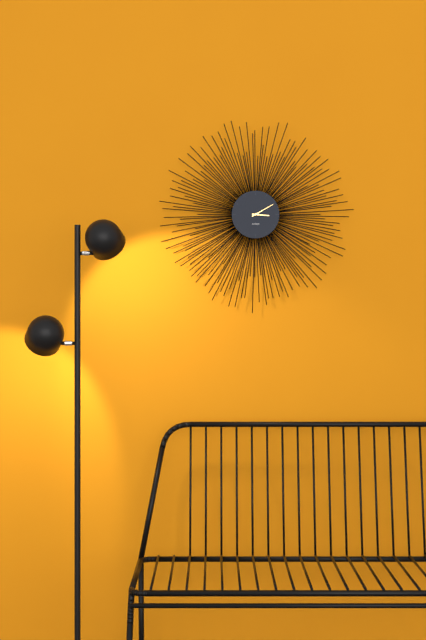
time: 3:10
